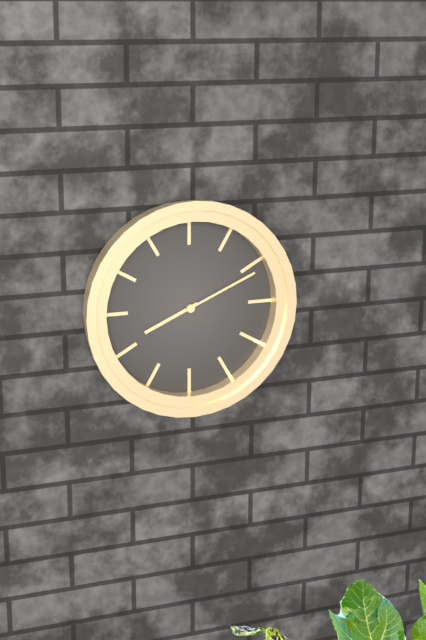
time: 8:11
